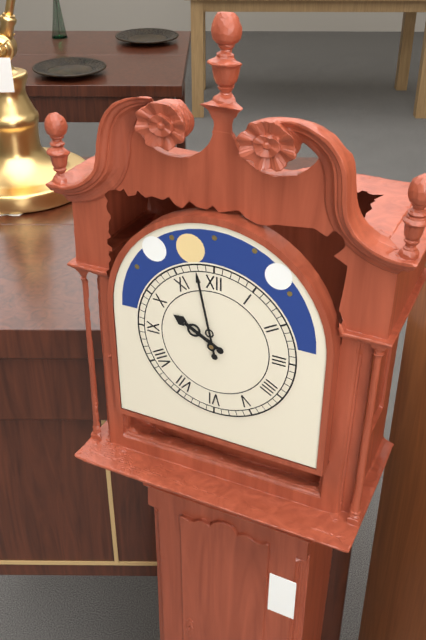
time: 9:58
